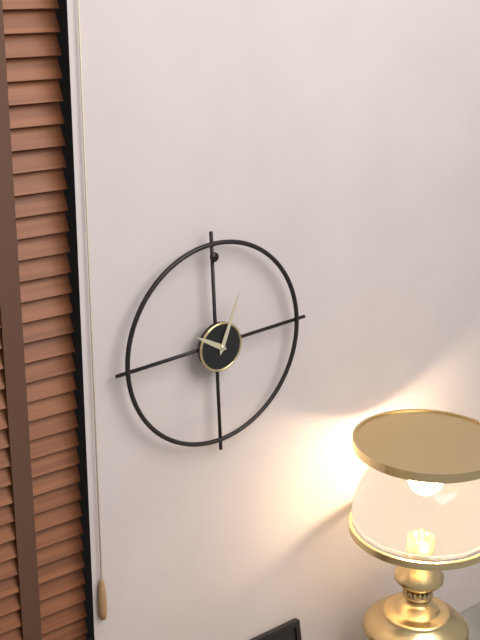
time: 10:04
